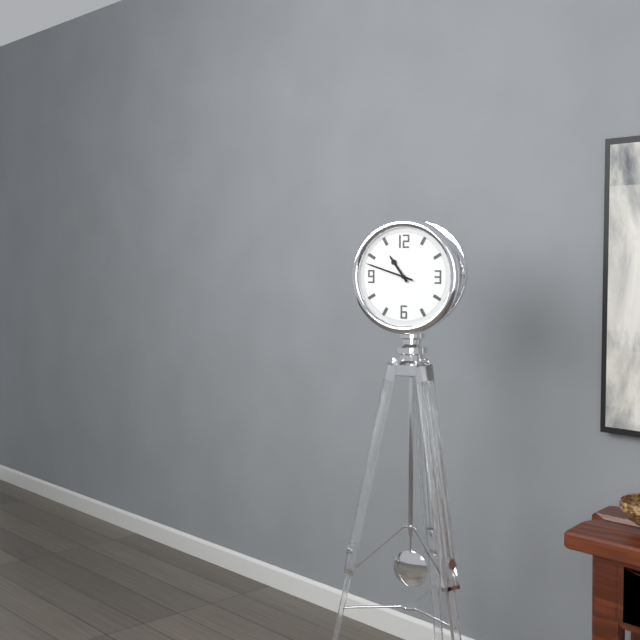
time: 10:48
